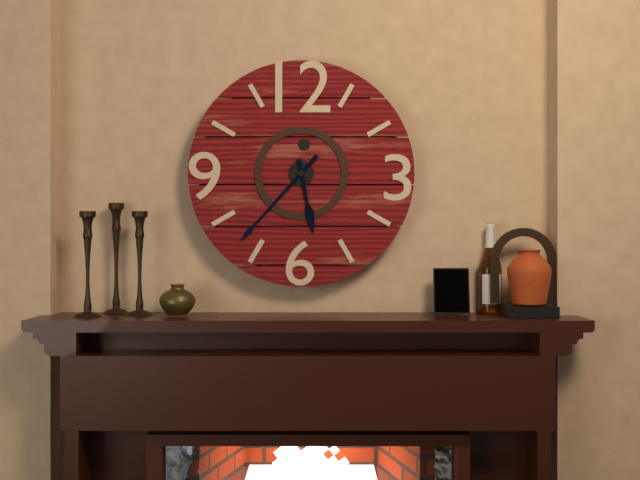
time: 5:37
